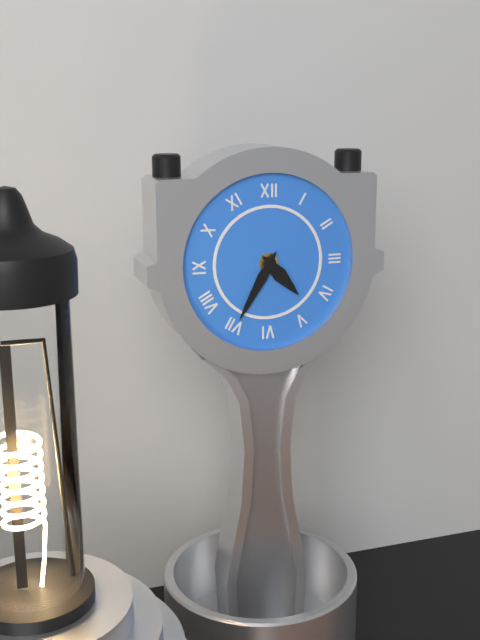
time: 4:35
